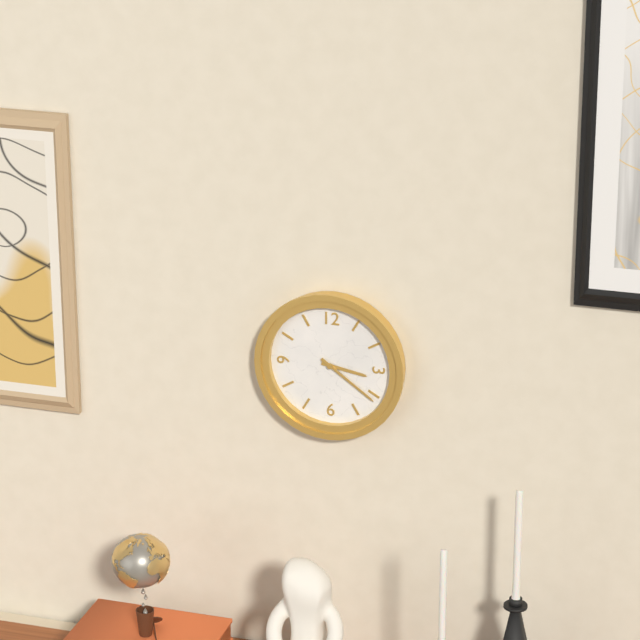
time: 3:21
